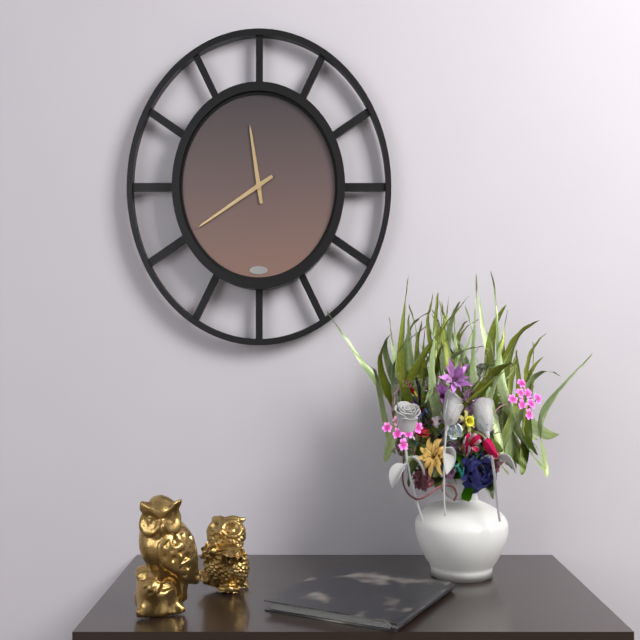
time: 11:40
